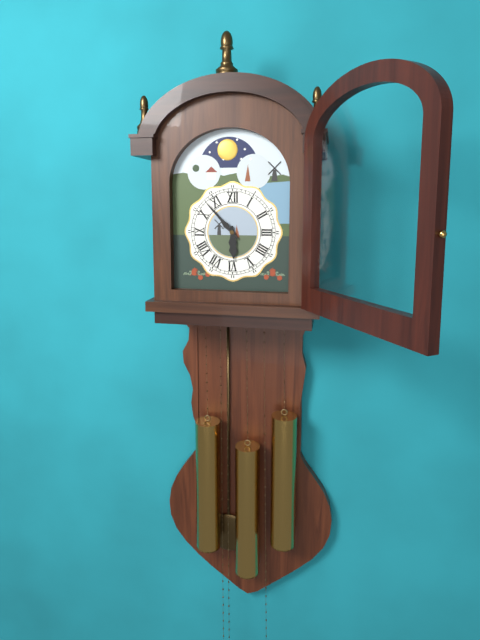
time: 5:53
